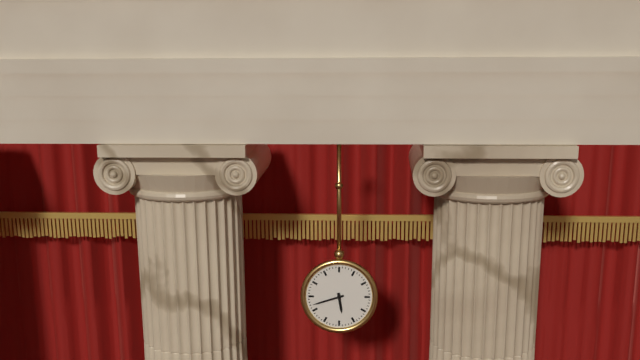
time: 5:42
